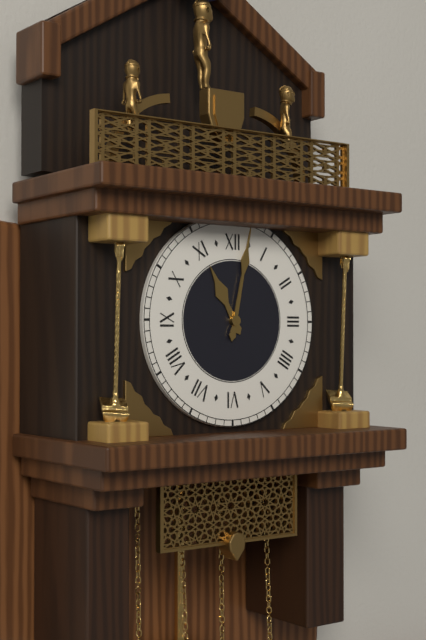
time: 11:02
